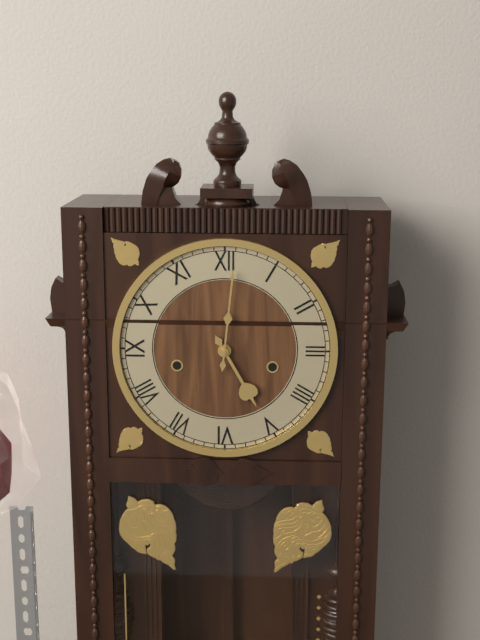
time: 5:01
